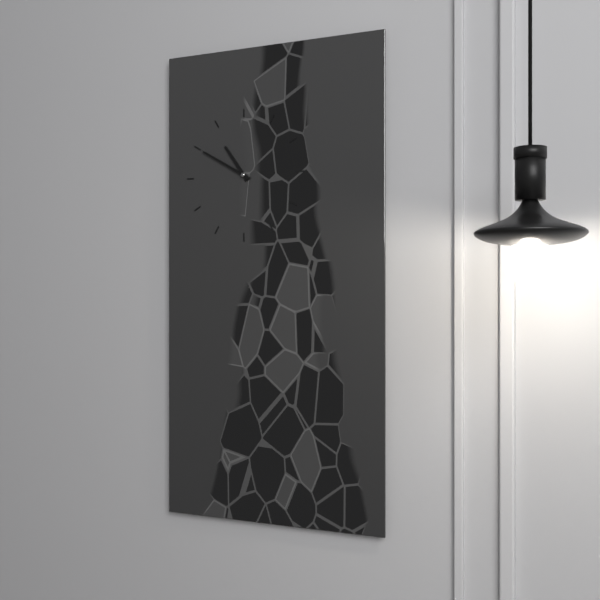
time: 10:50
